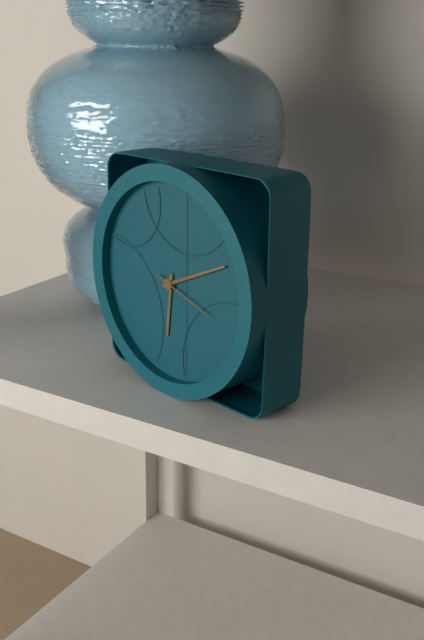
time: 6:11:18
